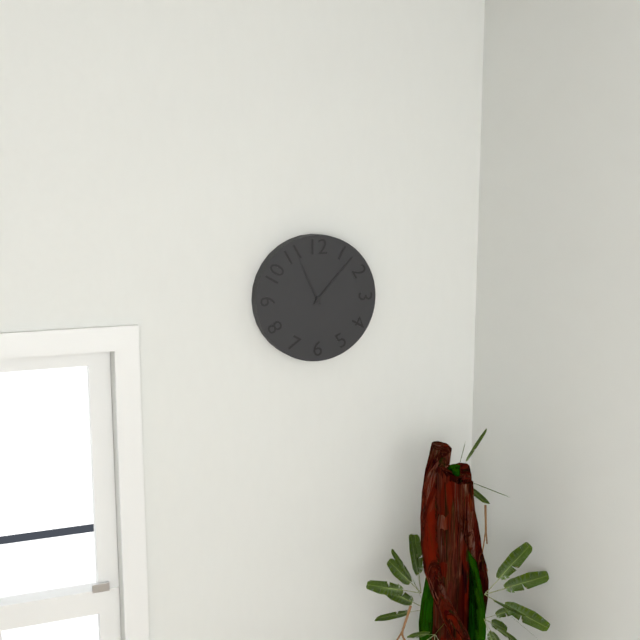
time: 11:07
